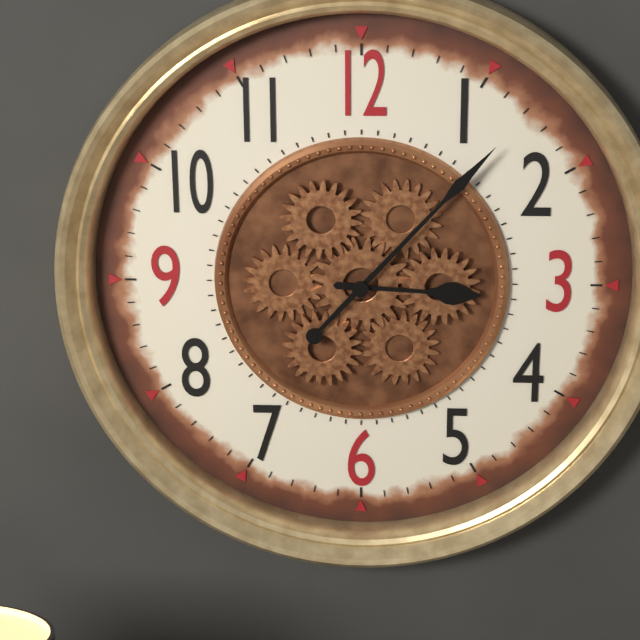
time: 3:07
